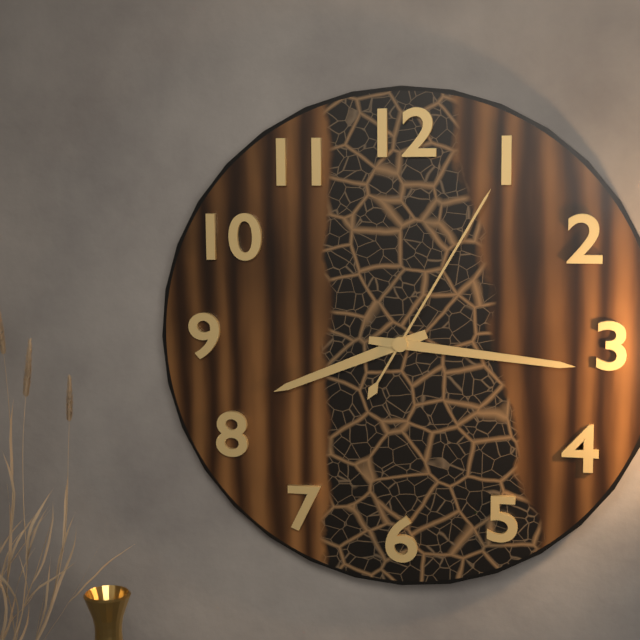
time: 8:16:05
